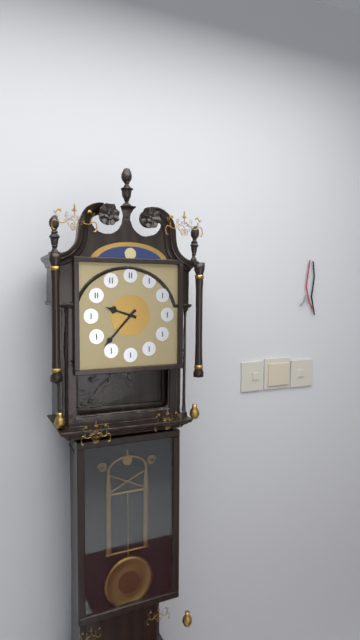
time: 9:37
